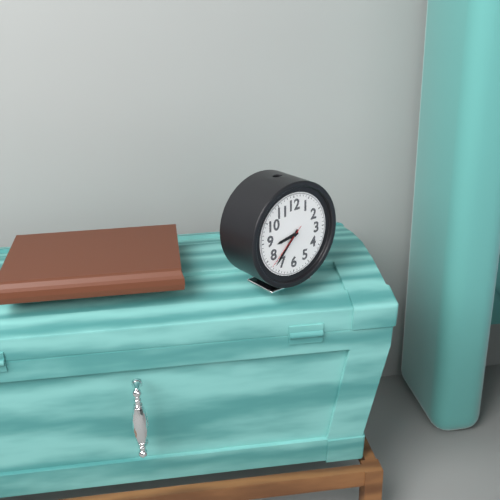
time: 8:37
